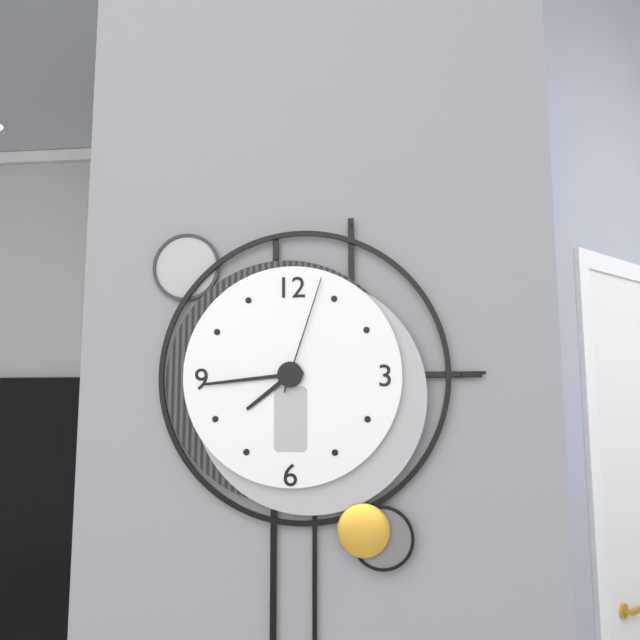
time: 7:44:03
